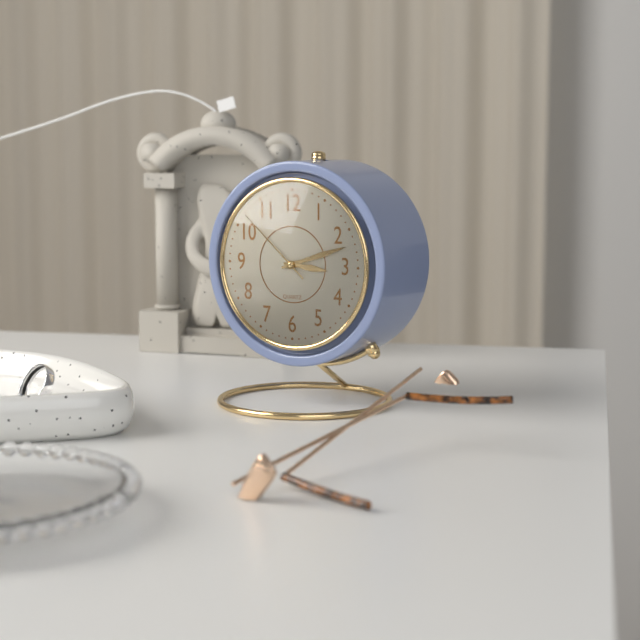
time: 3:12:52
